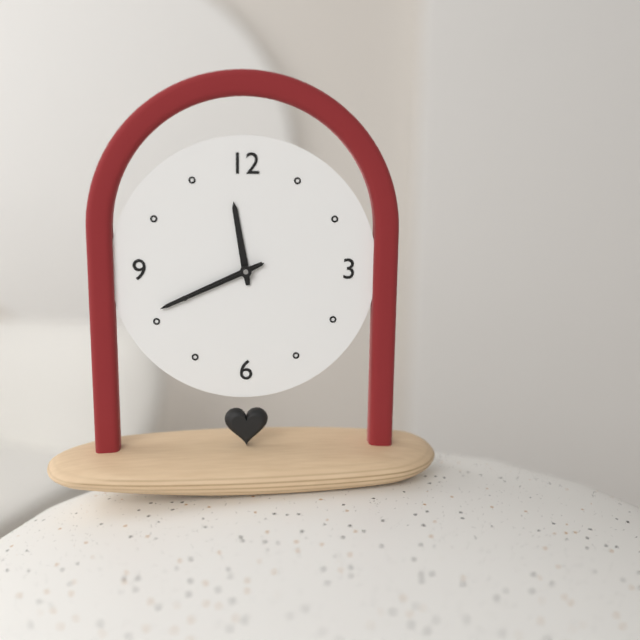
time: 11:41:41
